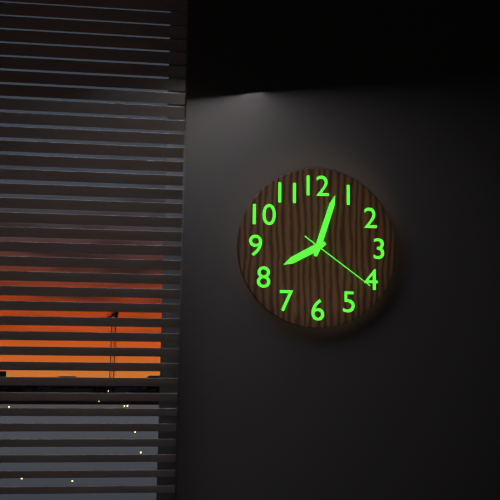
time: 8:03:21
